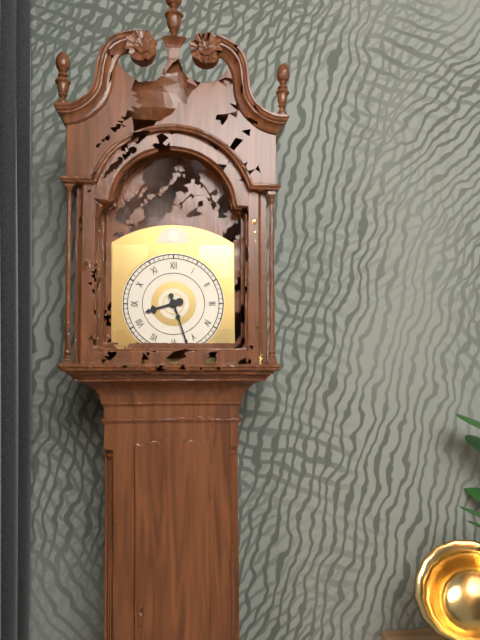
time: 8:27
